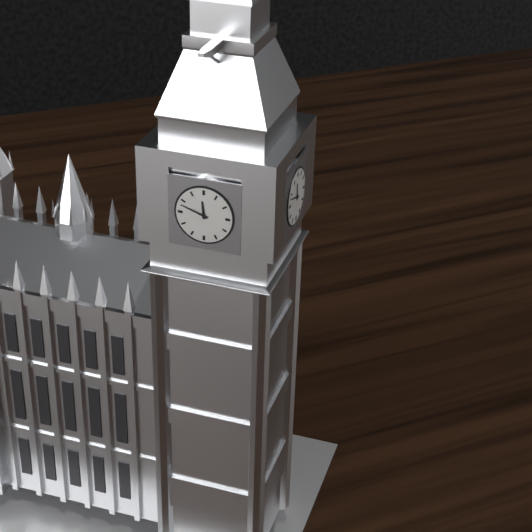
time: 11:48
